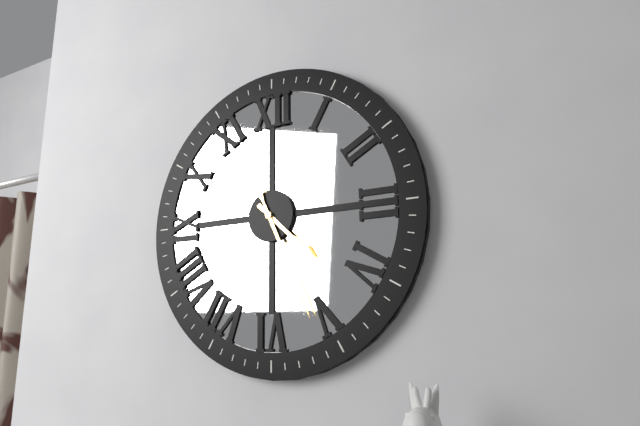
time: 4:26
